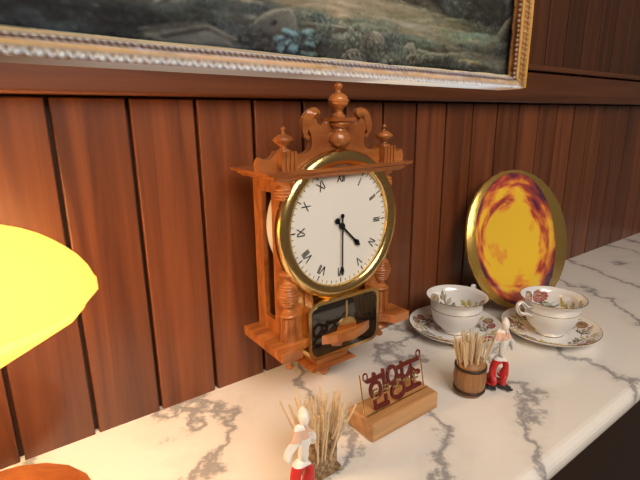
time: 4:30
